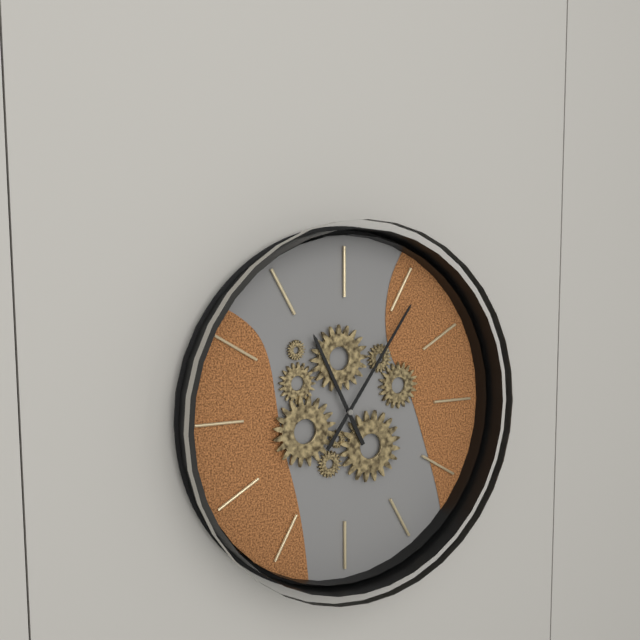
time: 11:06
